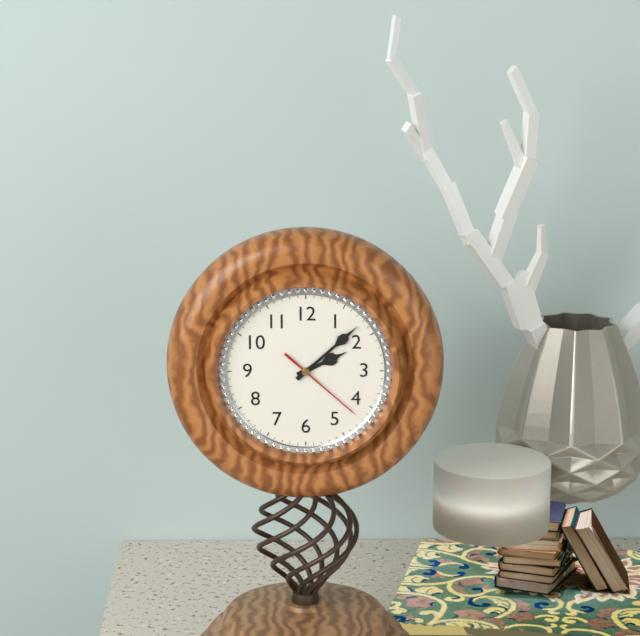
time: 2:08:22
